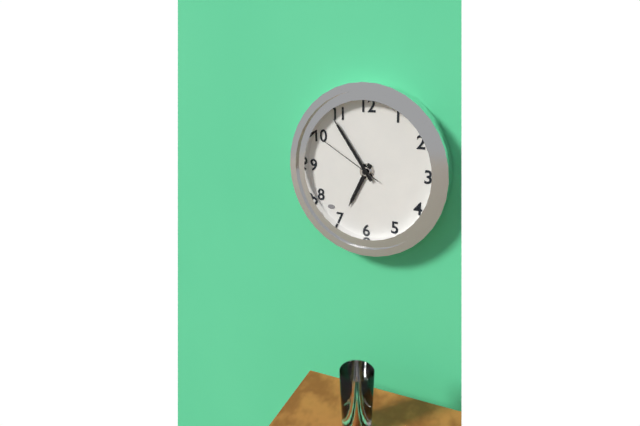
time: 6:54:50
